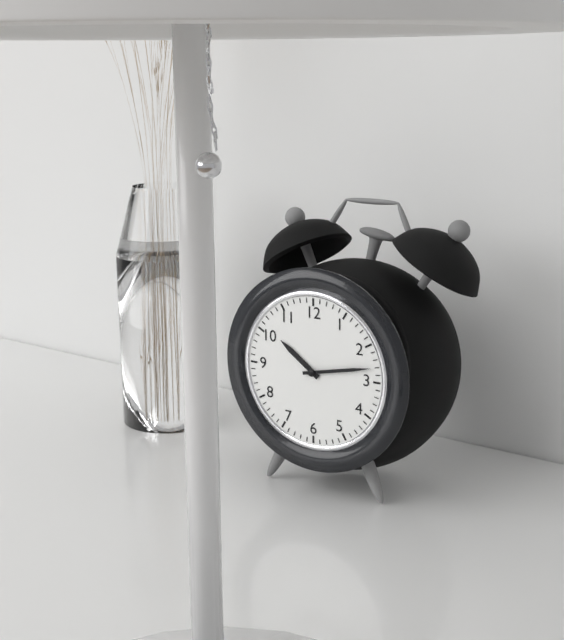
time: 10:13
